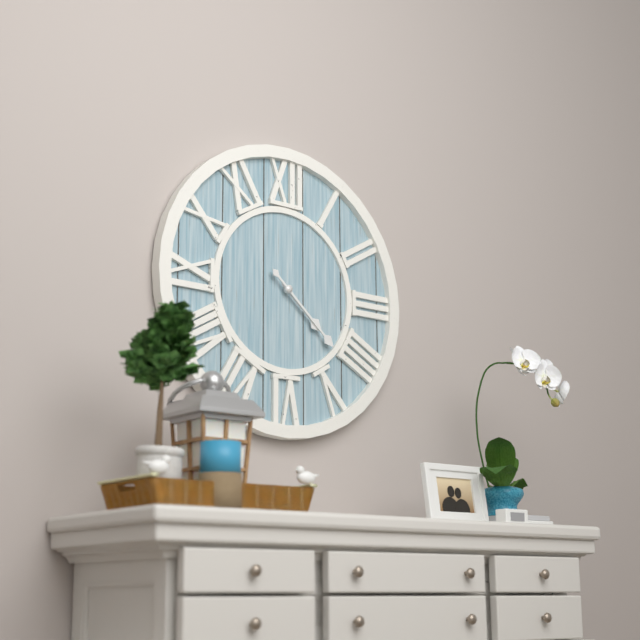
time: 4:22
